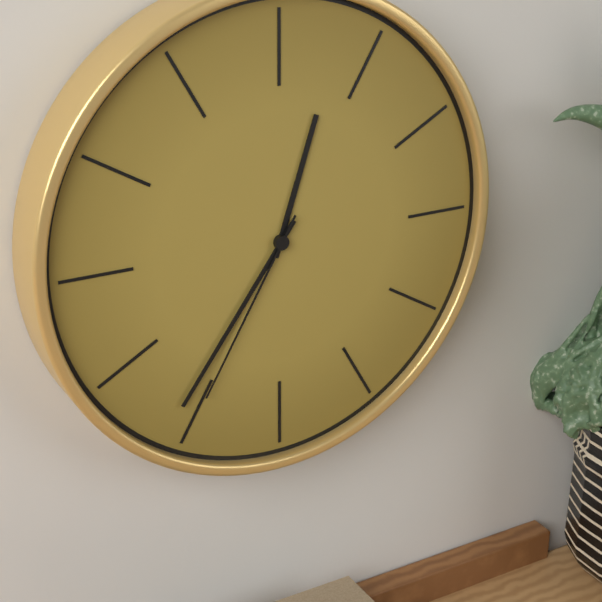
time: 12:36:35
